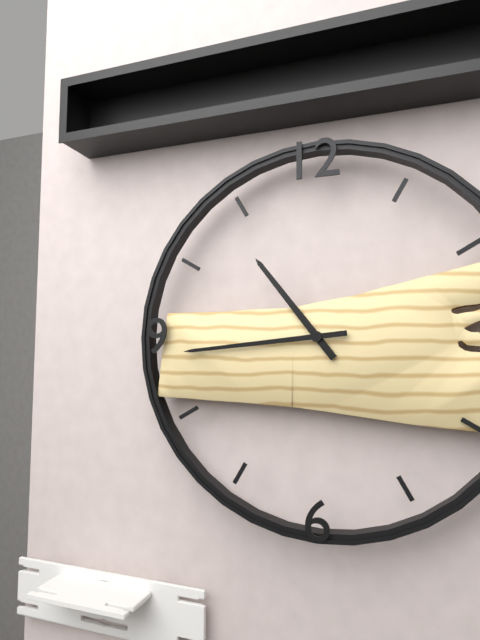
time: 10:44
